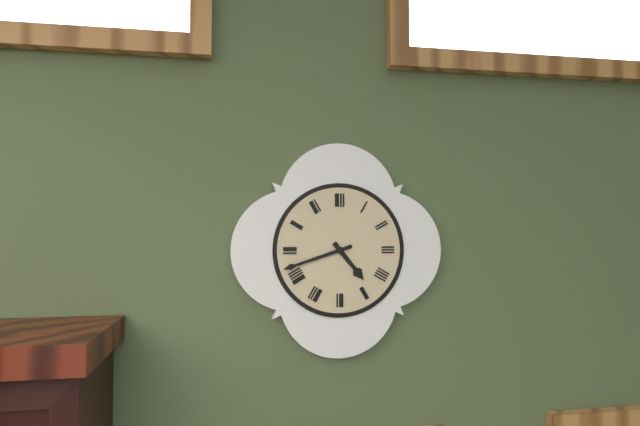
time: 4:42
